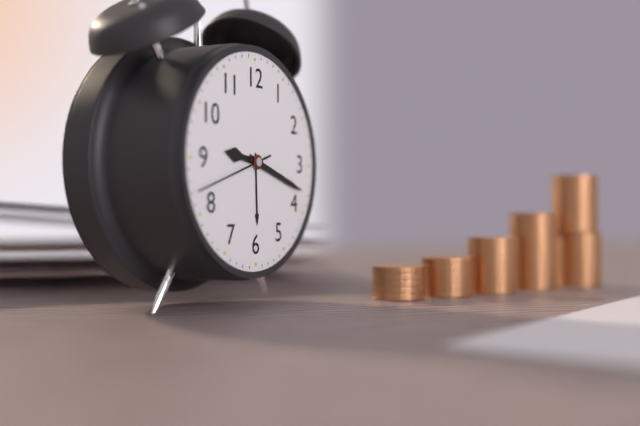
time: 9:18:42
